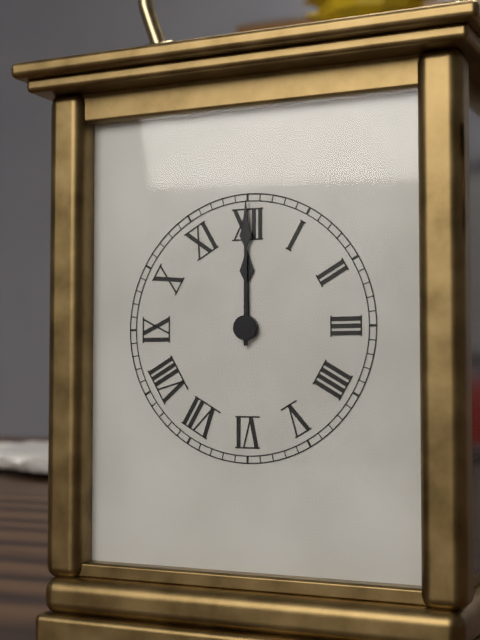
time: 12:00
